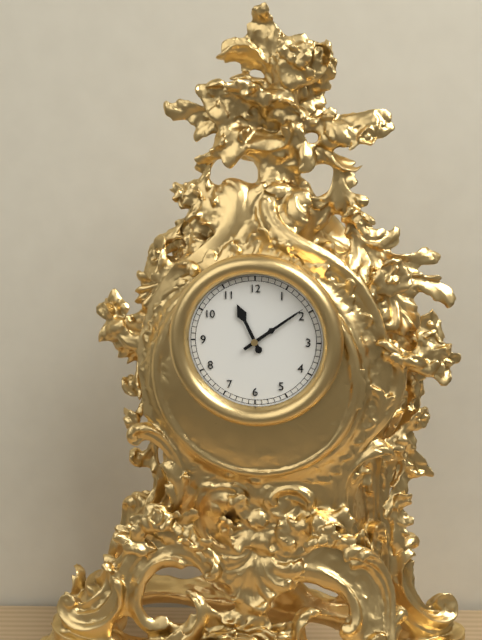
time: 11:09
